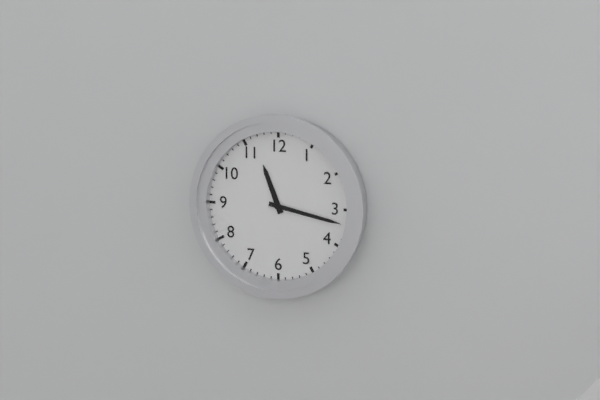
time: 11:17
